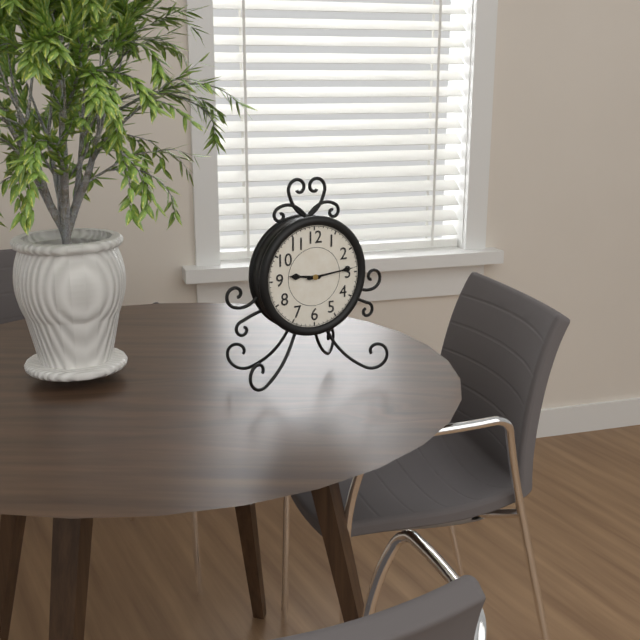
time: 9:14
